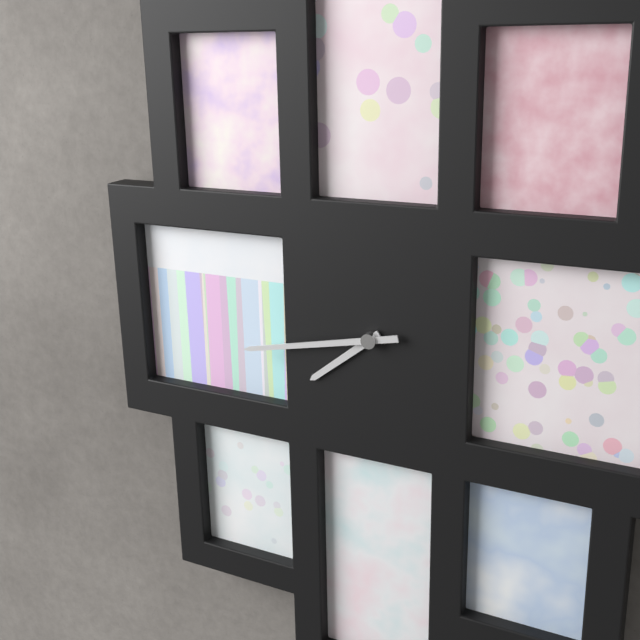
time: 7:43
